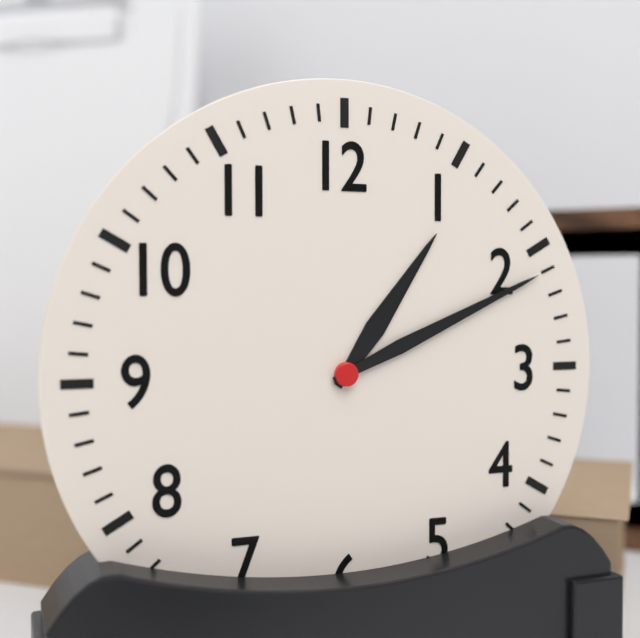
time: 1:11
